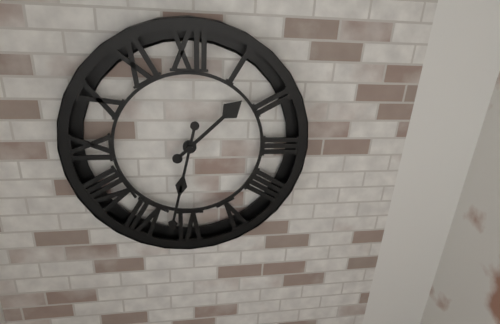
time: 1:32
